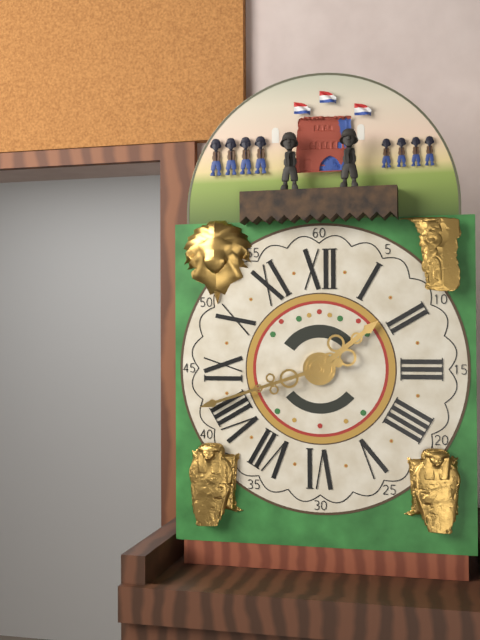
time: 1:42
